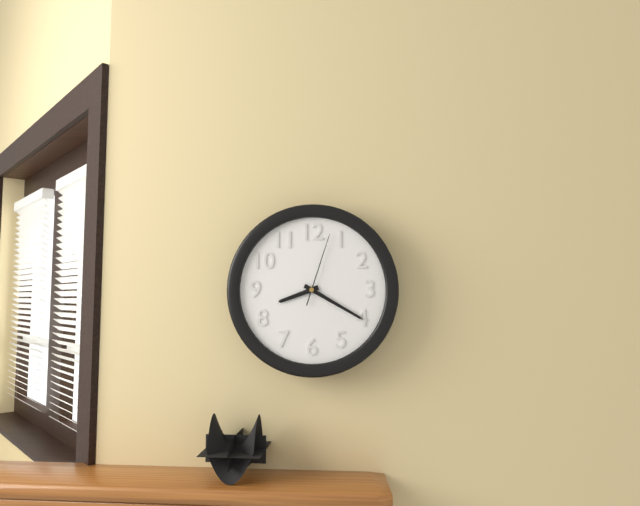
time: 8:20:03
